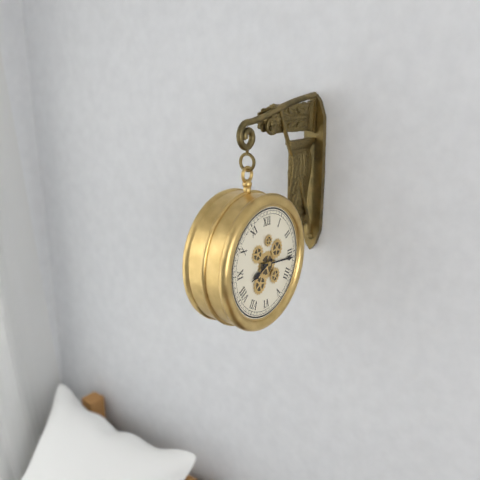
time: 8:16
